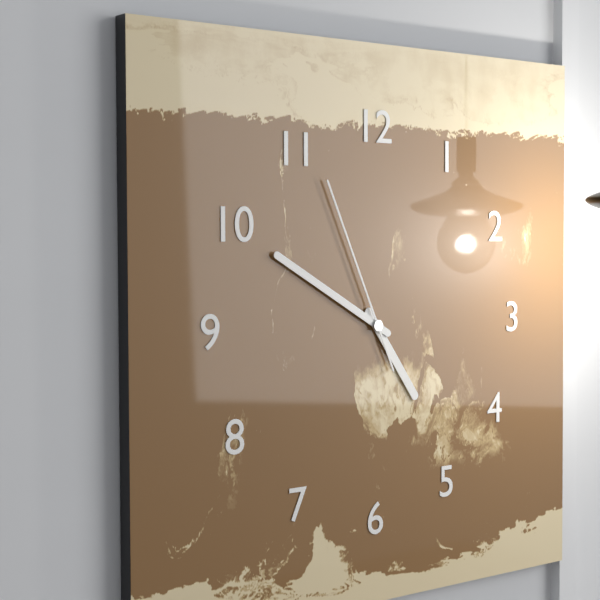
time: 4:50:56
